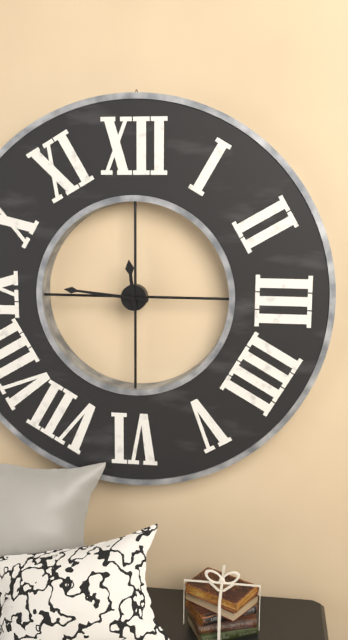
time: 11:46
